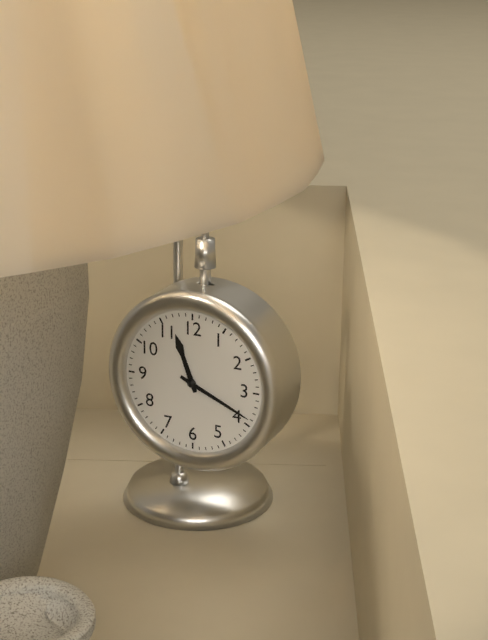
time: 11:19
